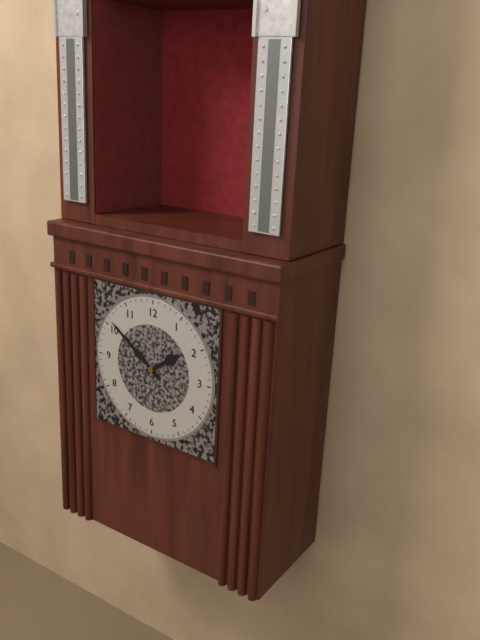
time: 1:51
